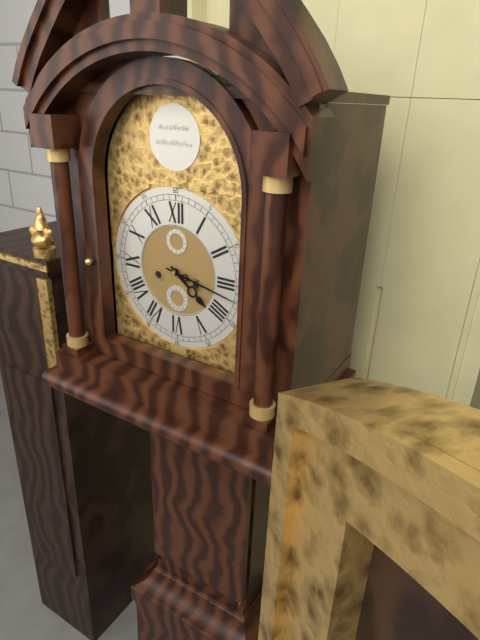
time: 4:17
